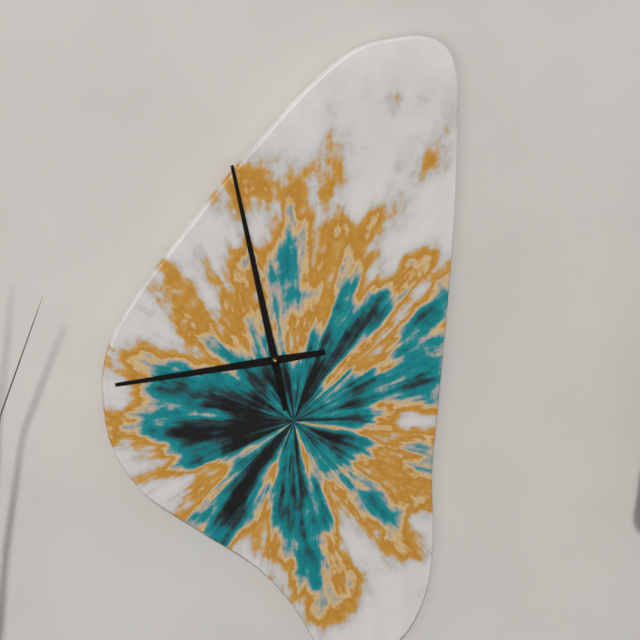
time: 8:58
